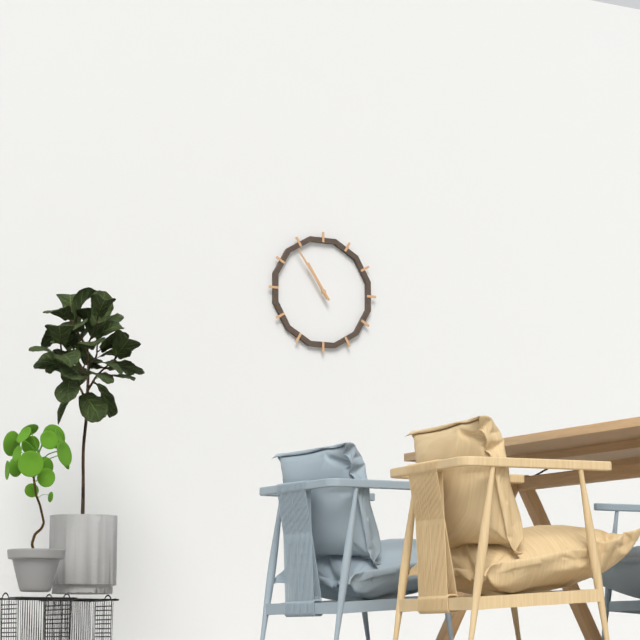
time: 10:54
